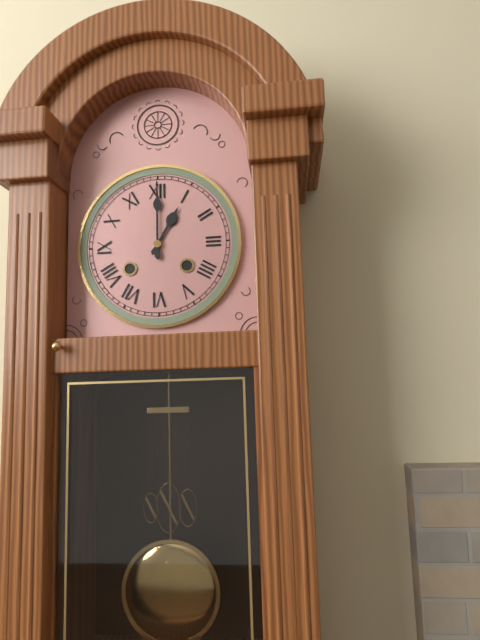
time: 1:00
